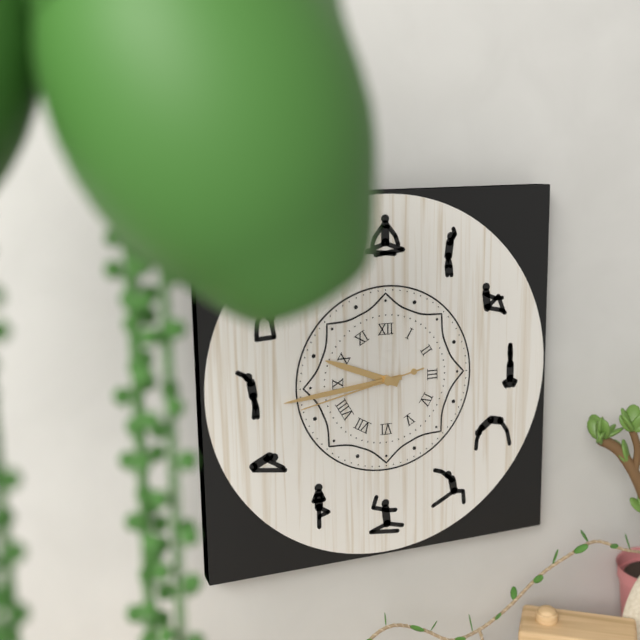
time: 9:44:43
